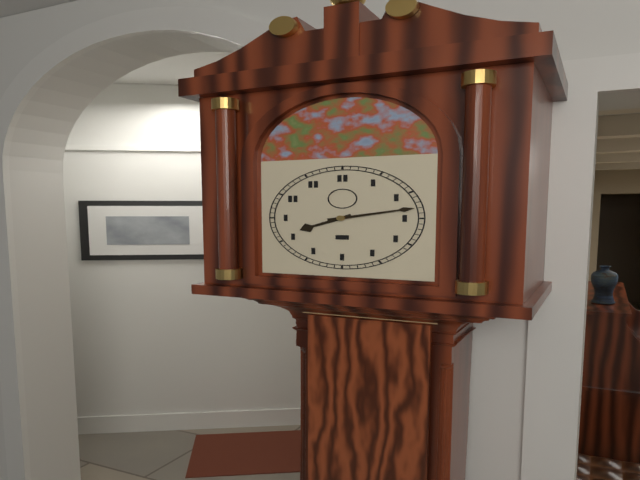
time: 8:13
